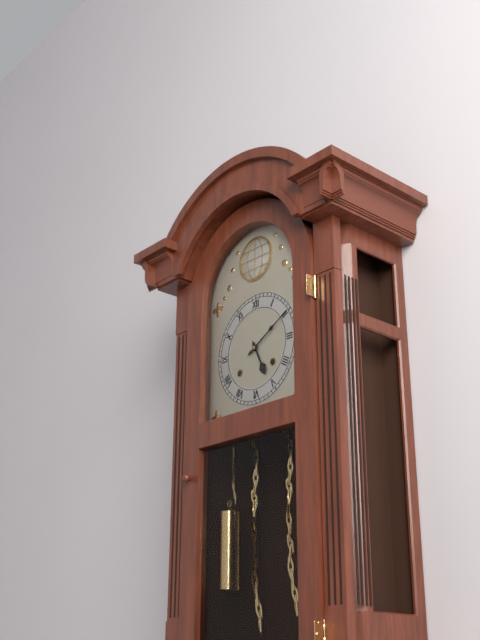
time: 5:10
